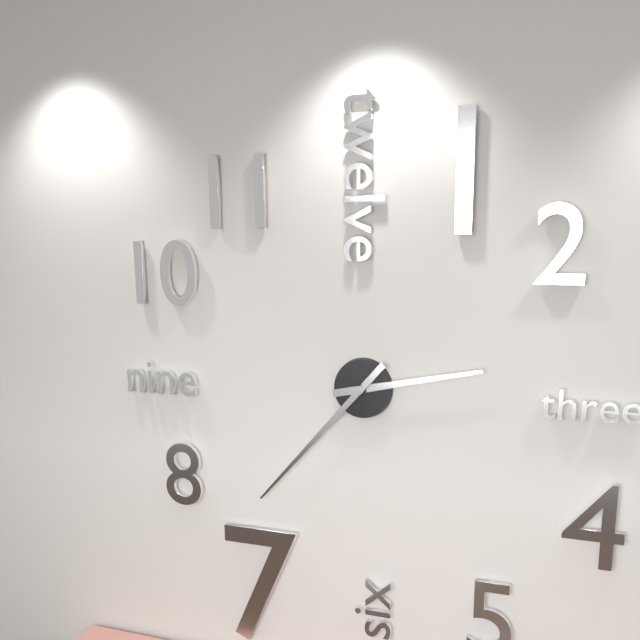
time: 2:37
